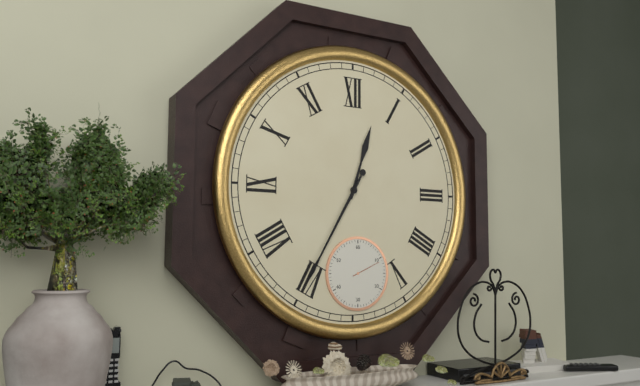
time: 12:35
